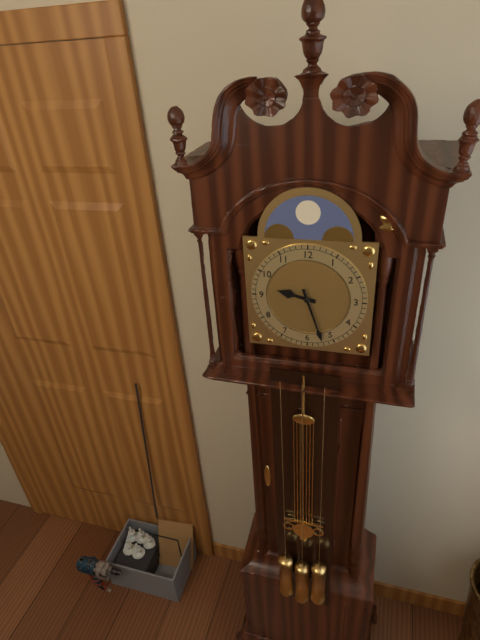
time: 9:27
